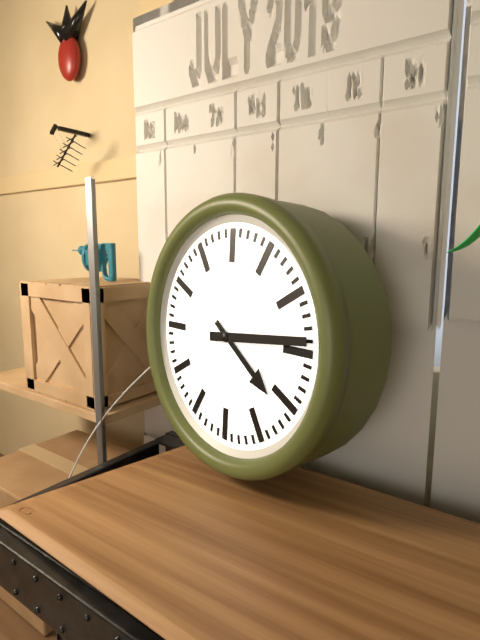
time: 4:14
